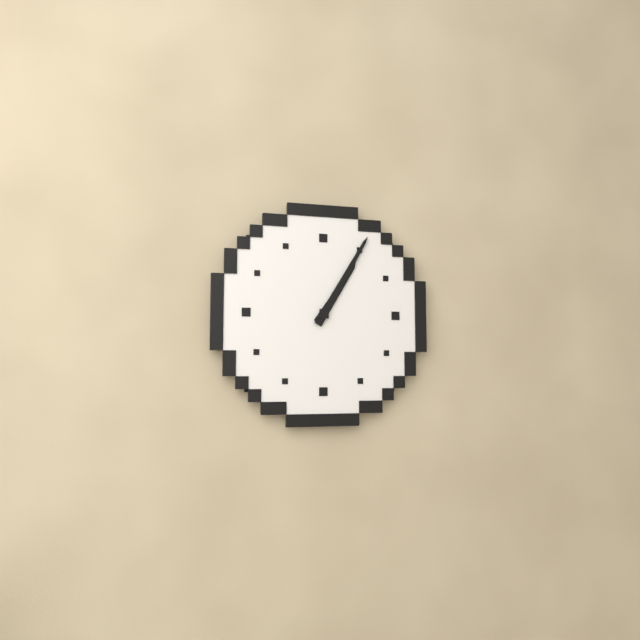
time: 1:05
